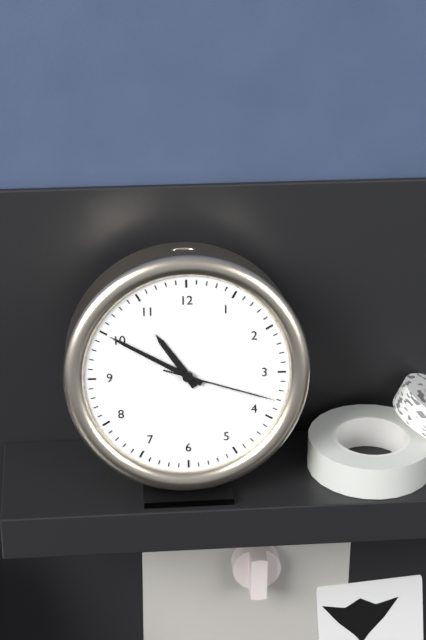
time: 10:50:18
